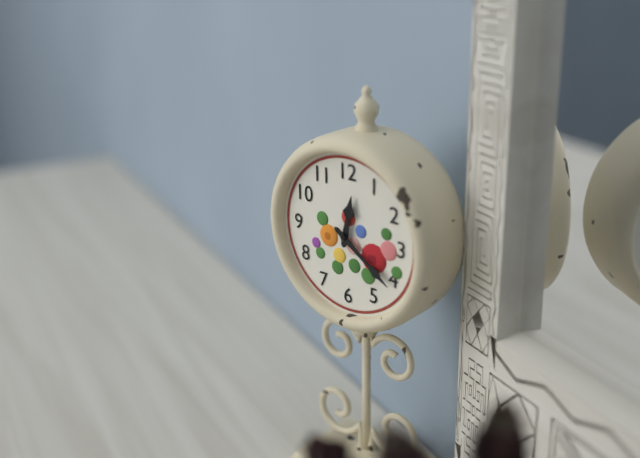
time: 12:21
